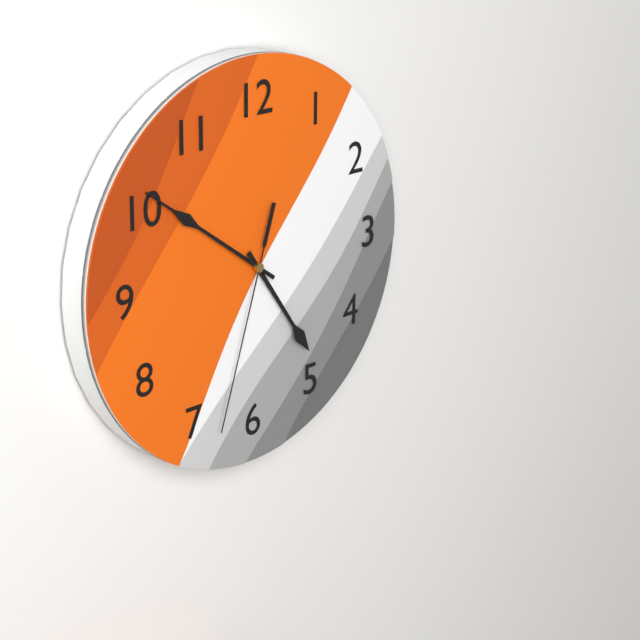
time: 4:51:33
